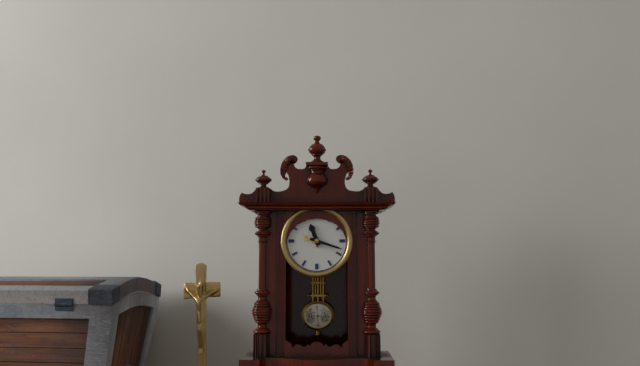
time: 11:18
